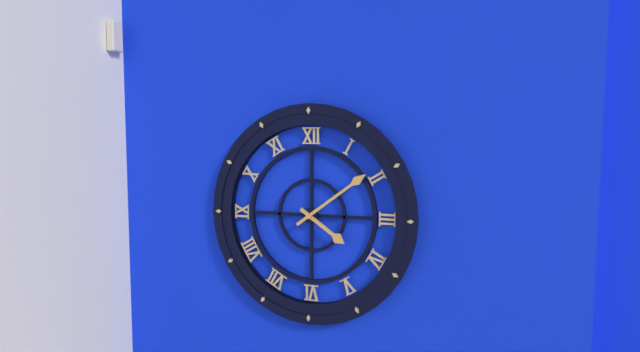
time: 4:09
